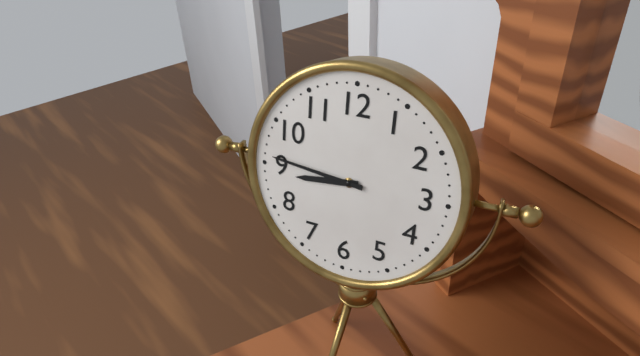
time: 8:46
